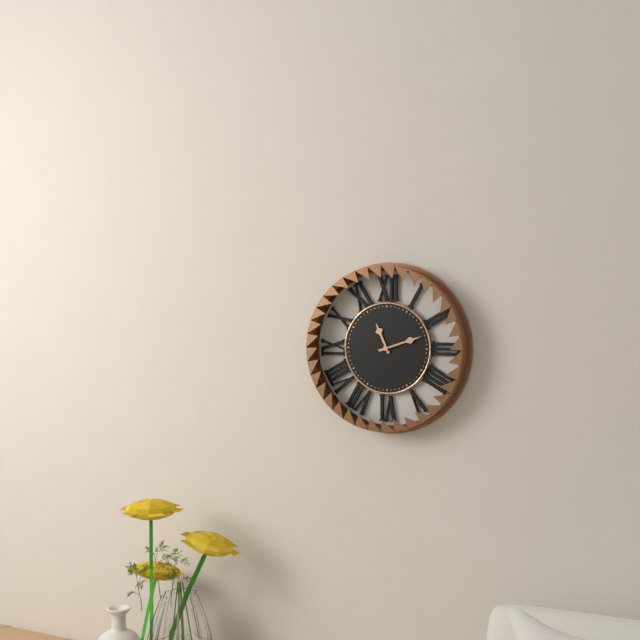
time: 11:12
